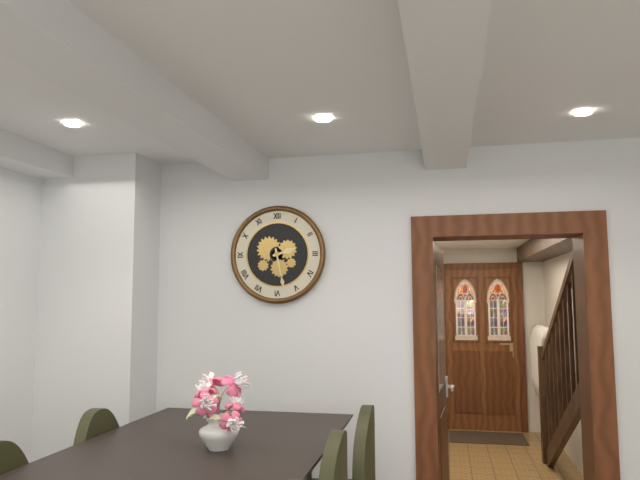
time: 2:28
